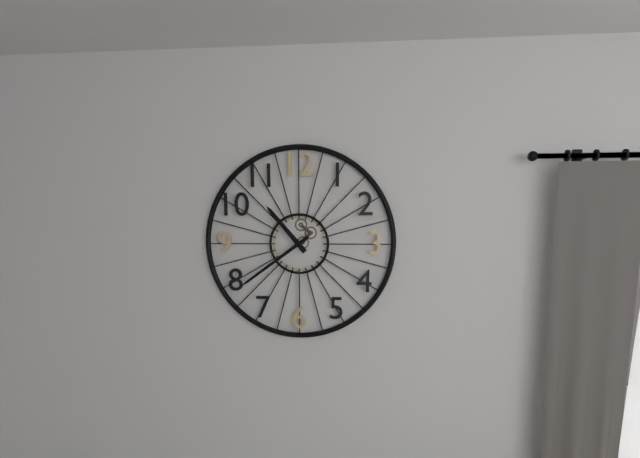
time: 10:39
